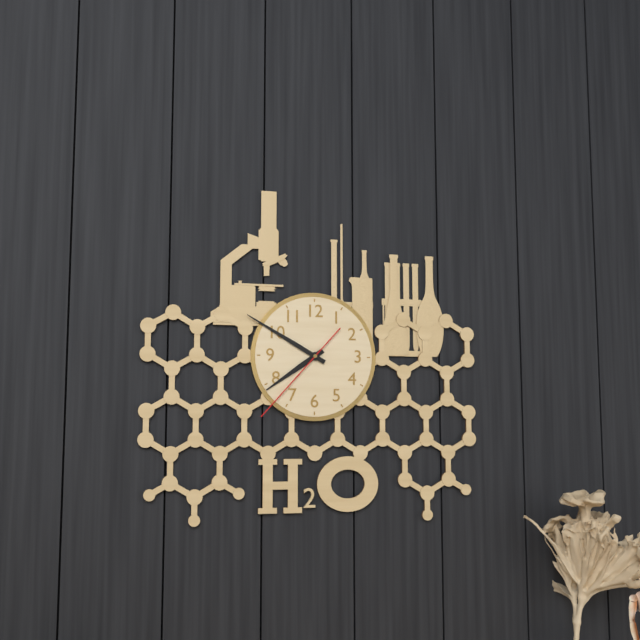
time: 7:50:37
